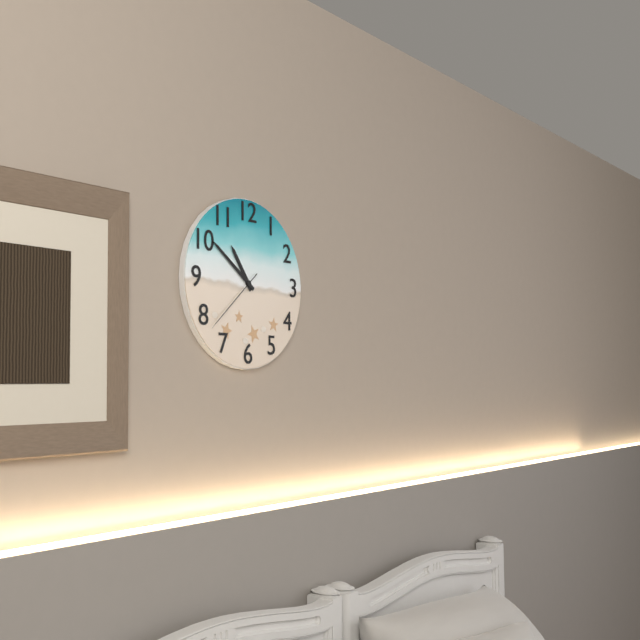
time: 10:51:38
